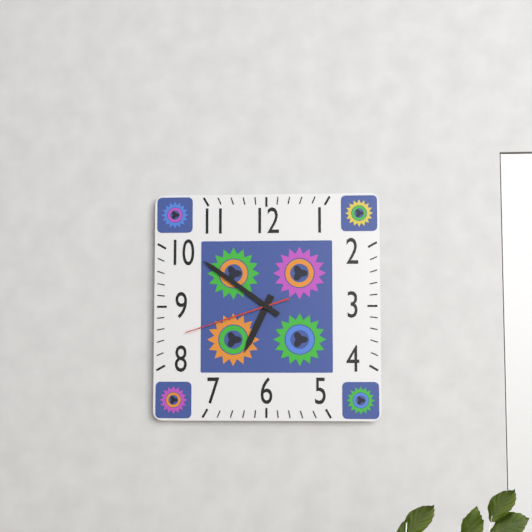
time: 6:51:42
